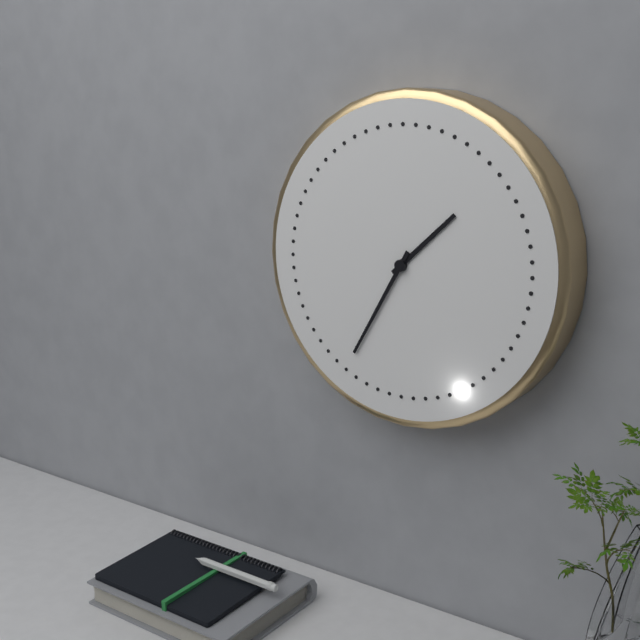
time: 1:35
